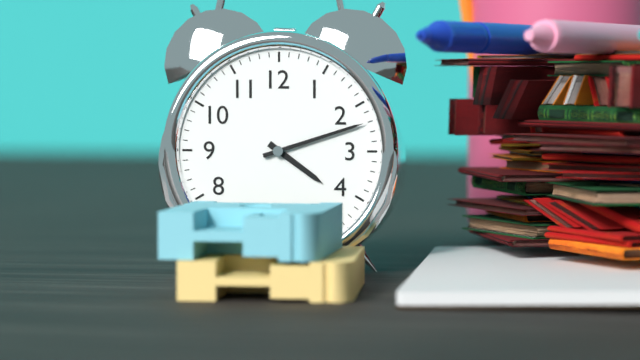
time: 4:12
